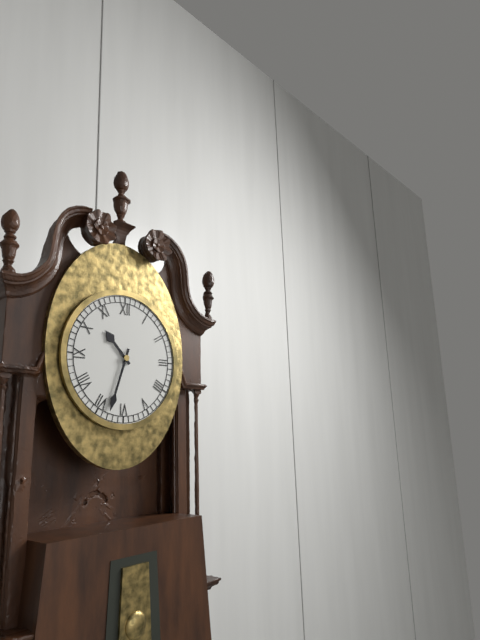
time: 10:33
